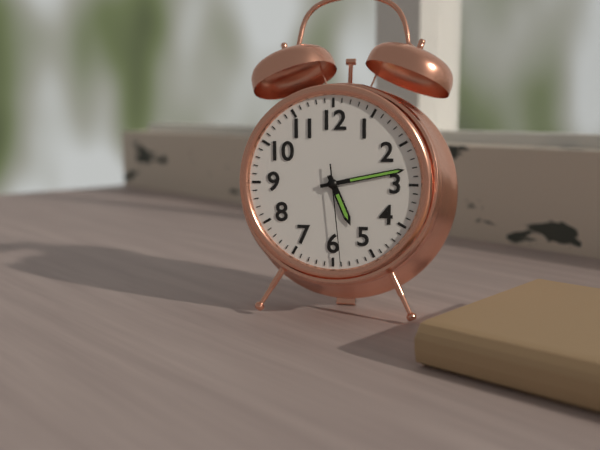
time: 5:13:29
